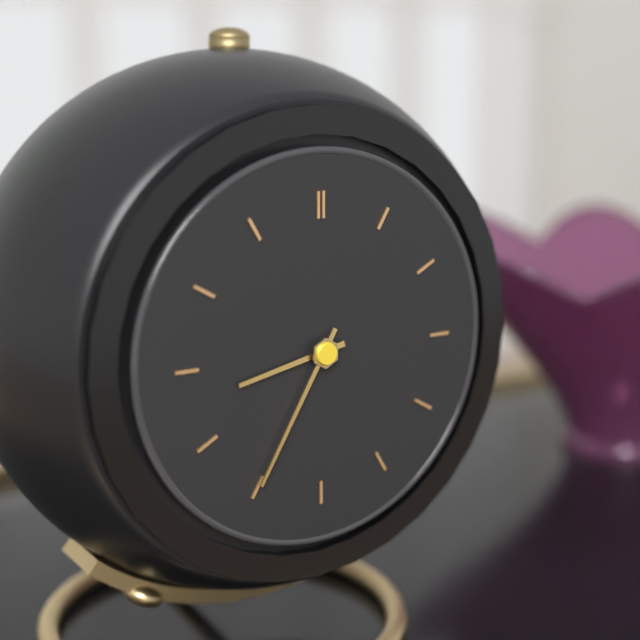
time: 8:35
